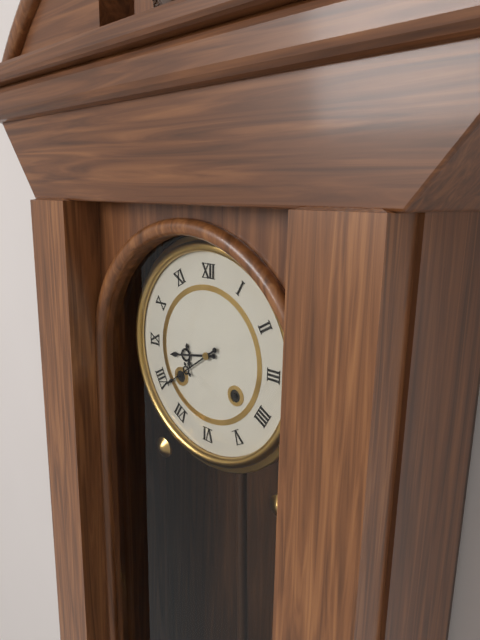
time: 8:39
